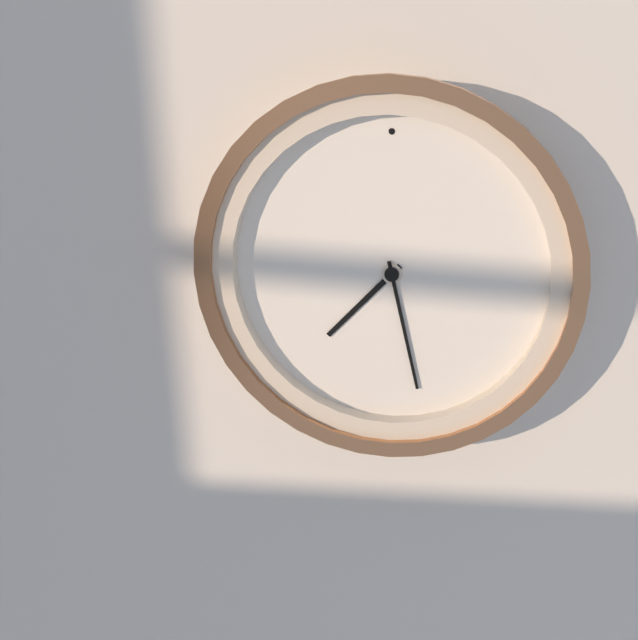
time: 7:28
